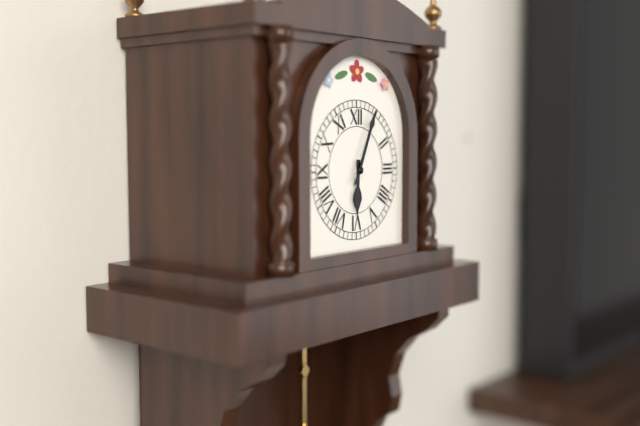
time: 6:04
